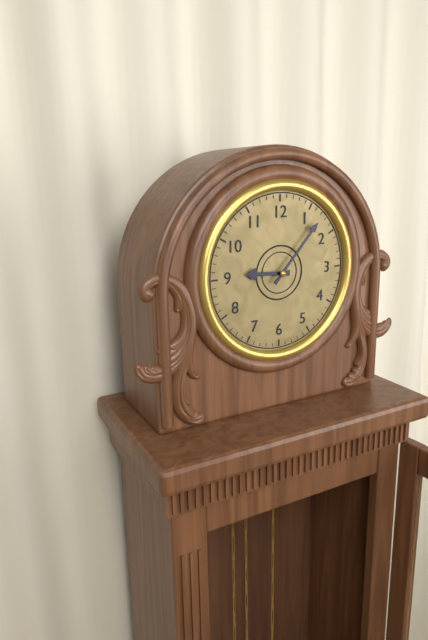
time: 9:07
